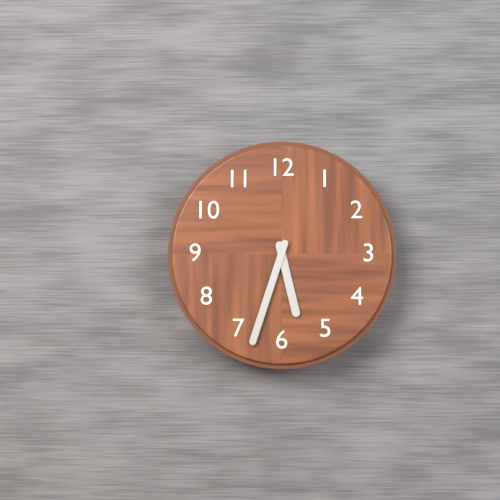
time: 5:33
